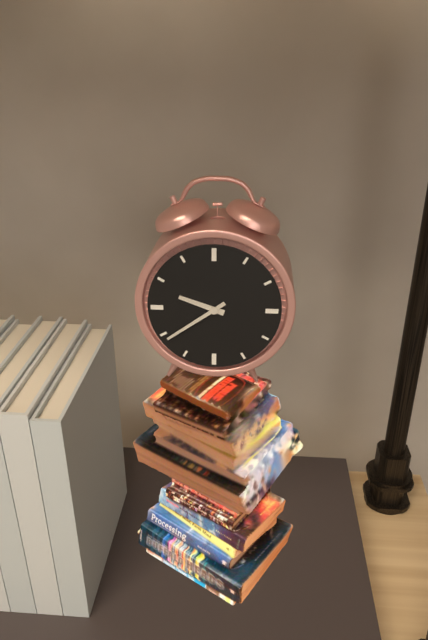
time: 9:39
